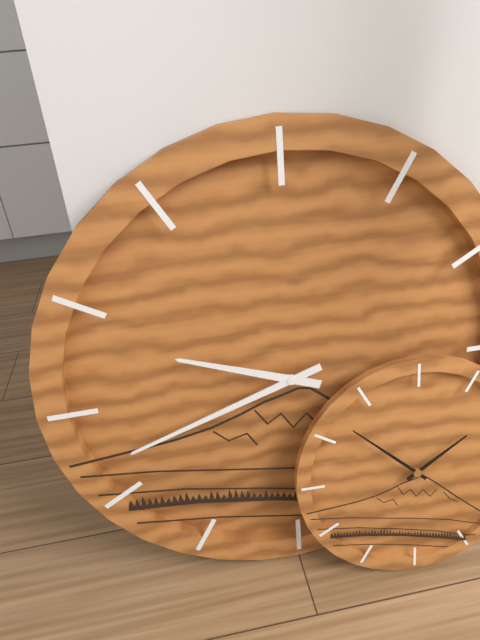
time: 9:42
